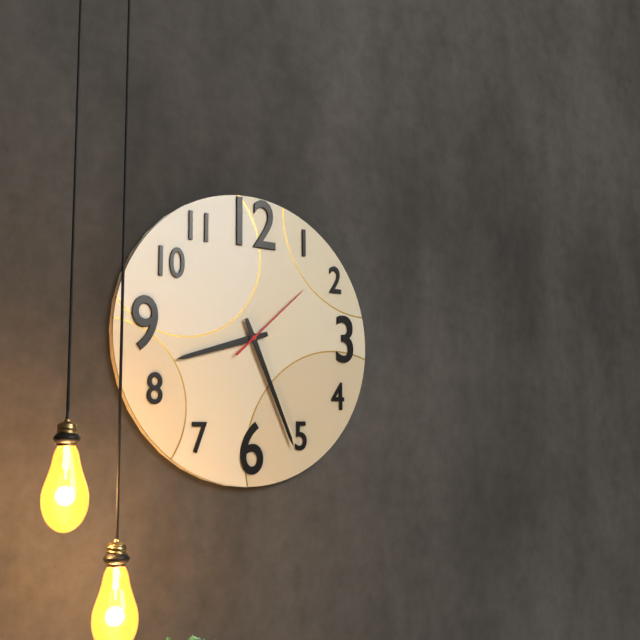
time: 8:26:08
